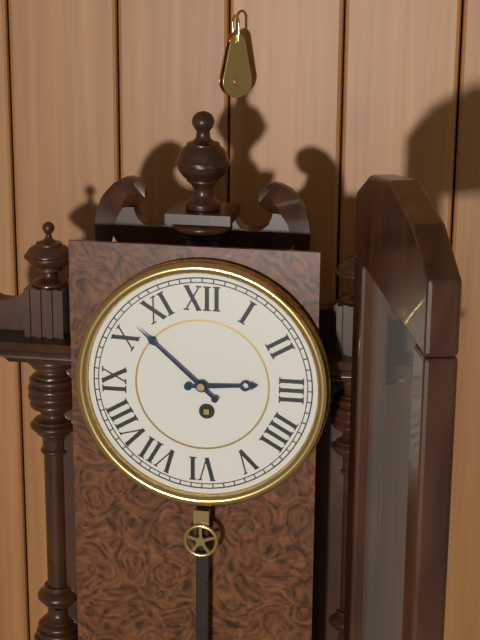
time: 2:52
